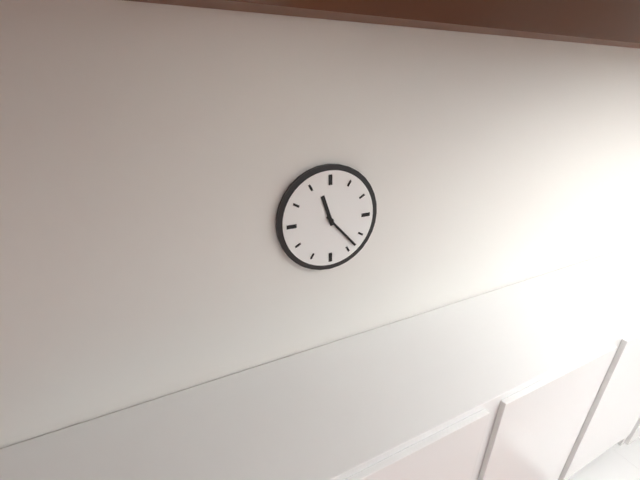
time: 11:23
